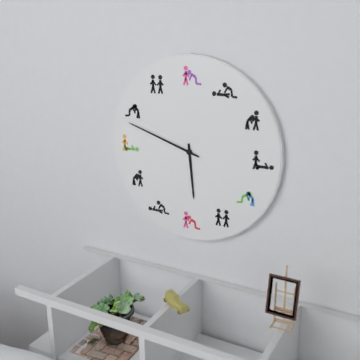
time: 5:48
